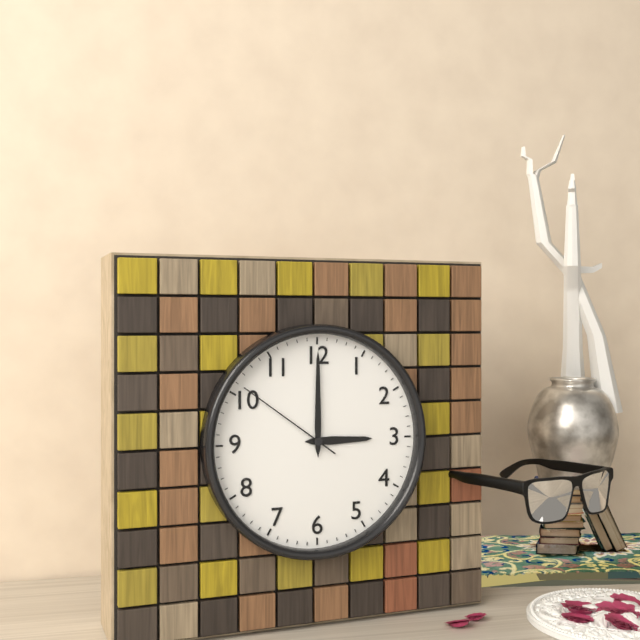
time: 3:00:51
